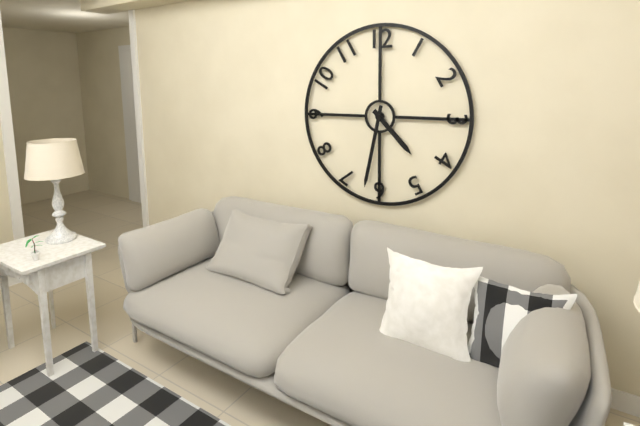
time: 4:32
